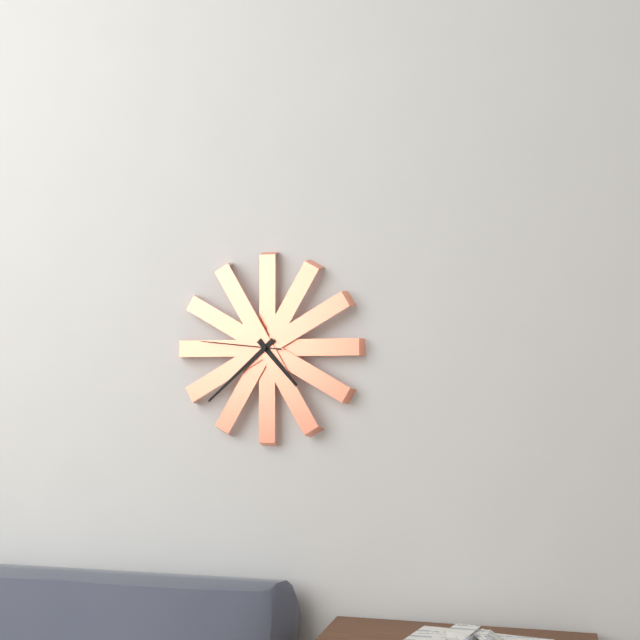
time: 4:38:46
